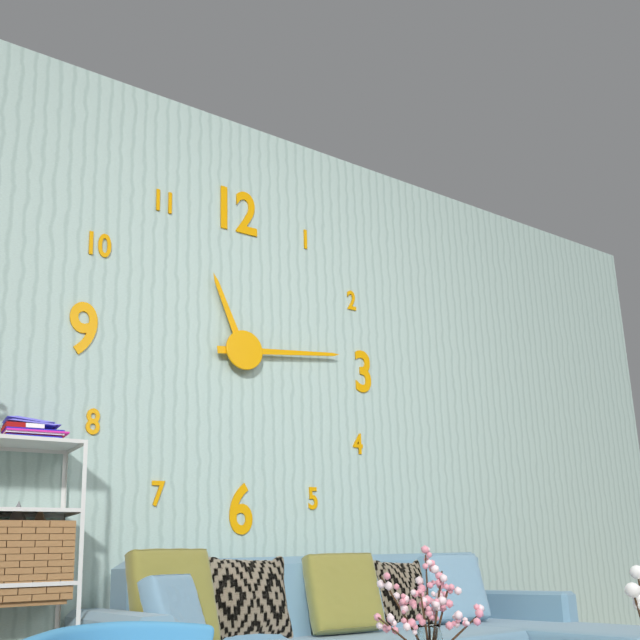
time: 11:14
